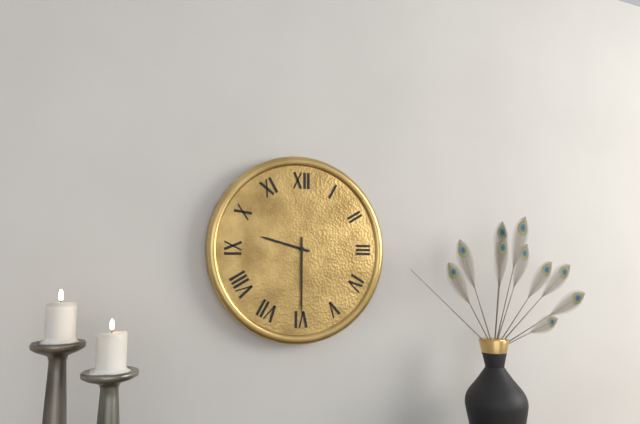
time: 9:30
